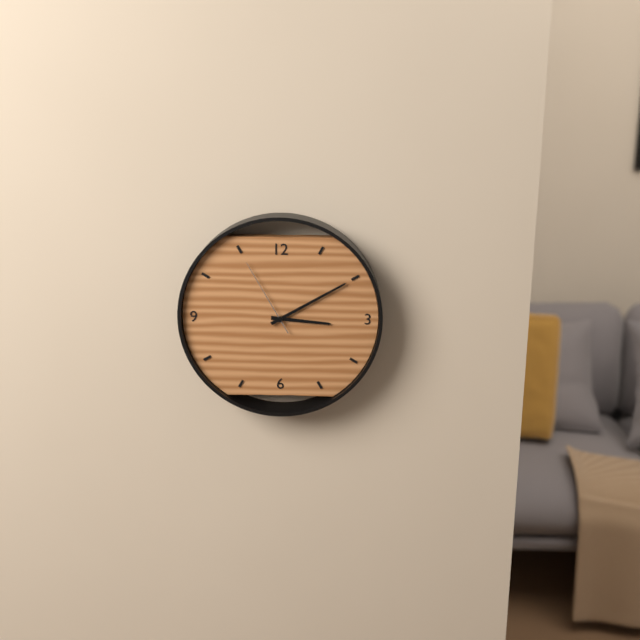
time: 3:10:55
